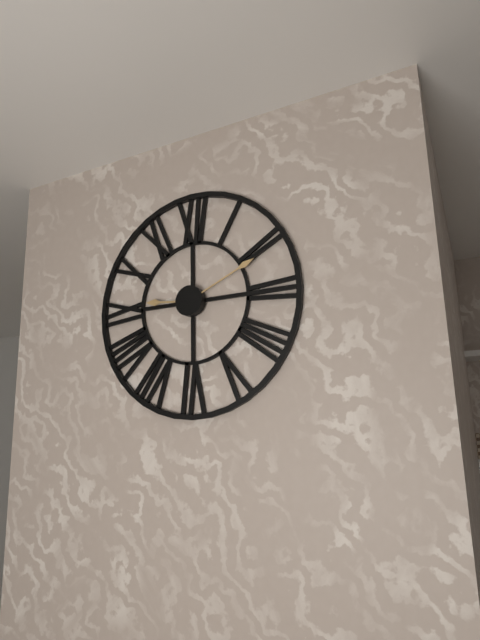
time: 9:11
